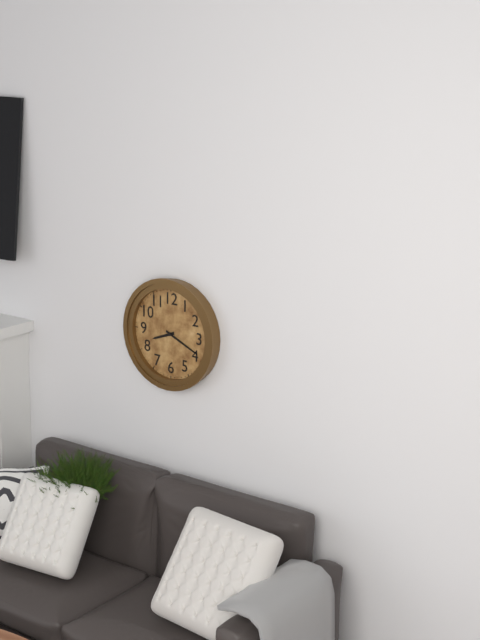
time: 8:19
